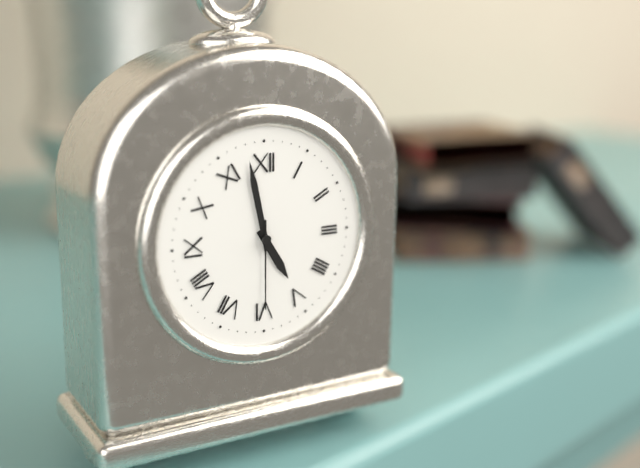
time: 4:58:30
